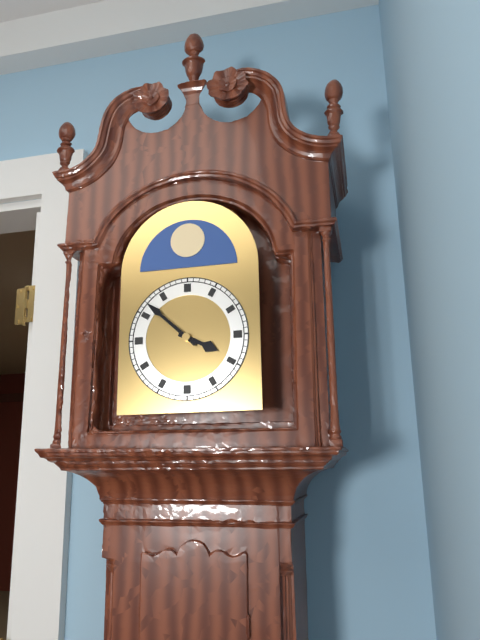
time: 3:52
